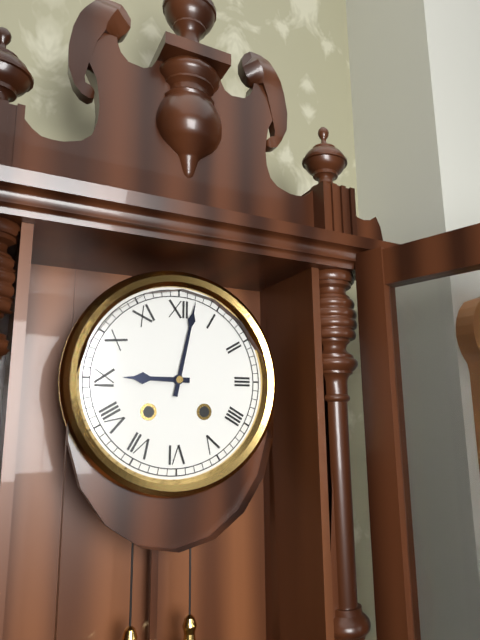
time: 9:02
